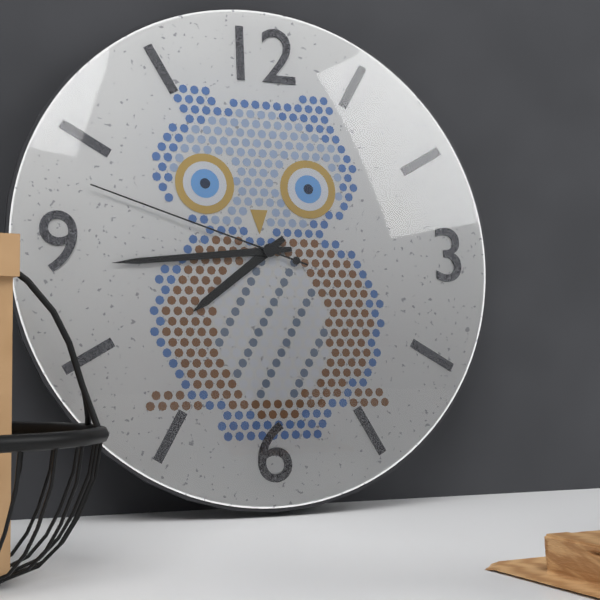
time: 7:44:48
